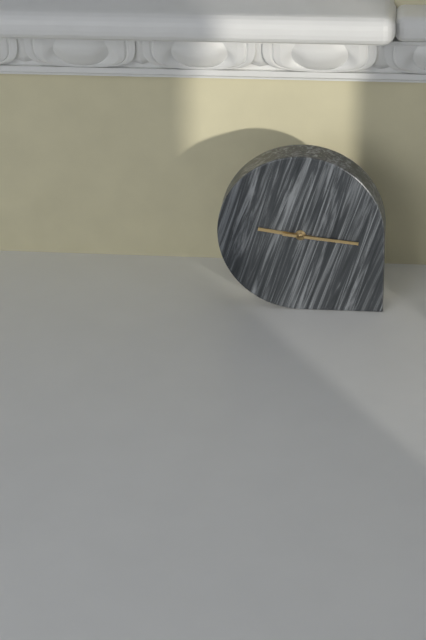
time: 9:16
